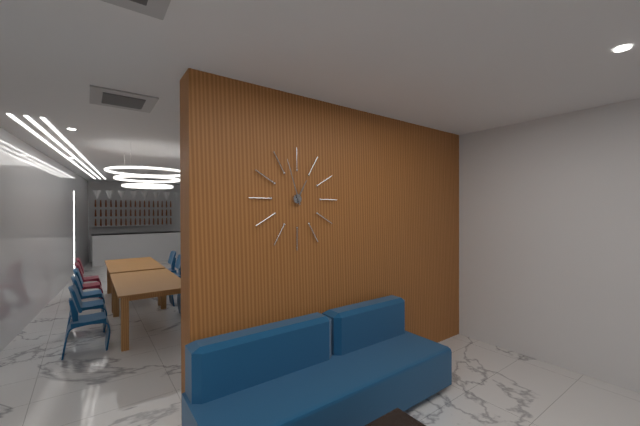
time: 12:57
